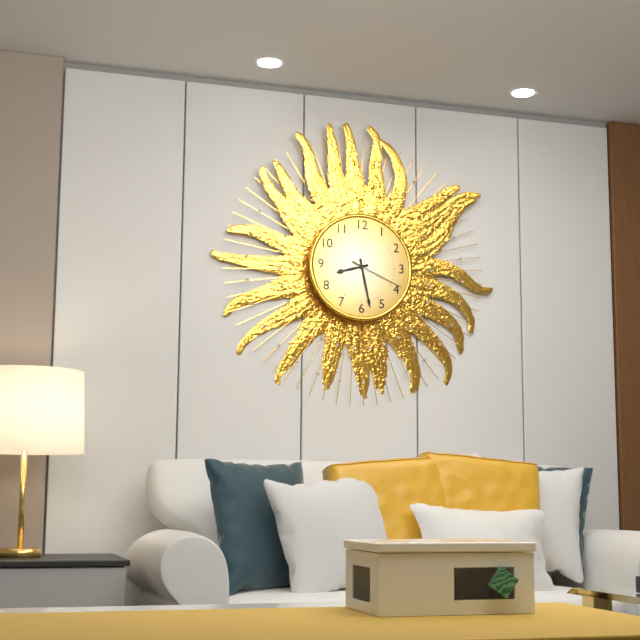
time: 8:28:19
